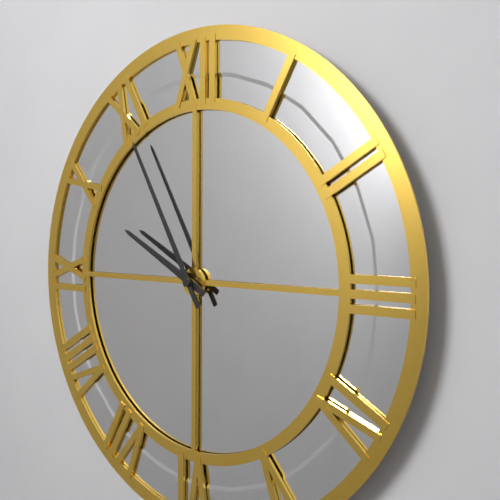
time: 9:55
